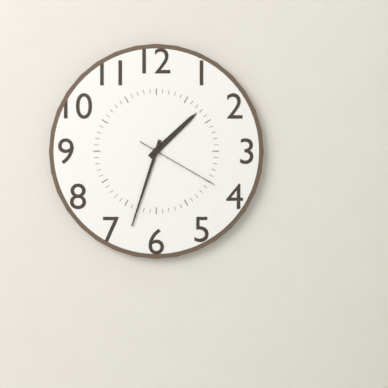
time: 1:33:20
